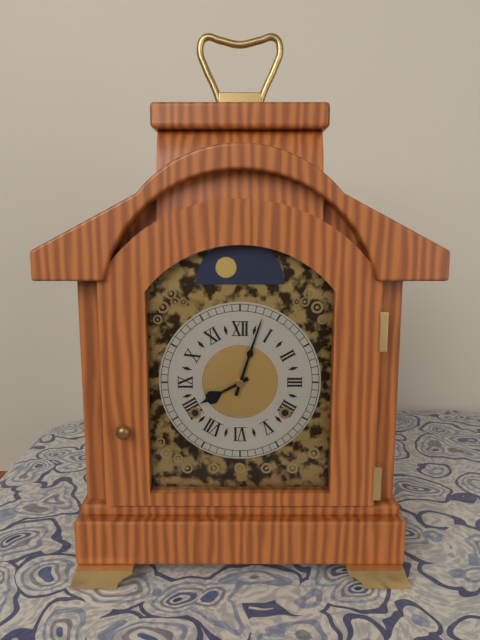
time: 8:03
